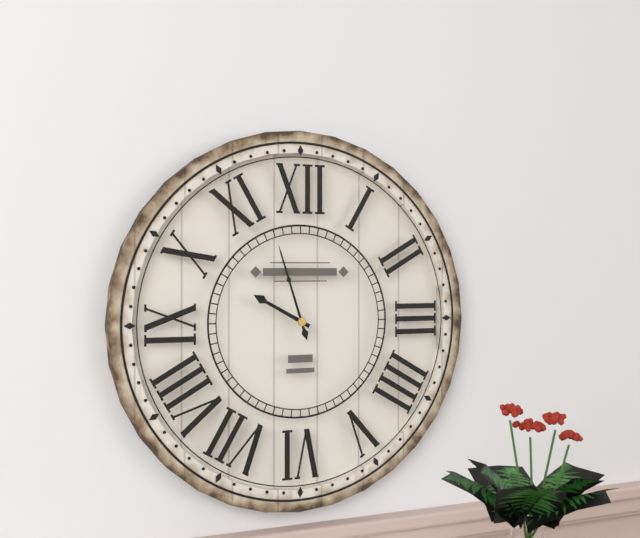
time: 9:57
